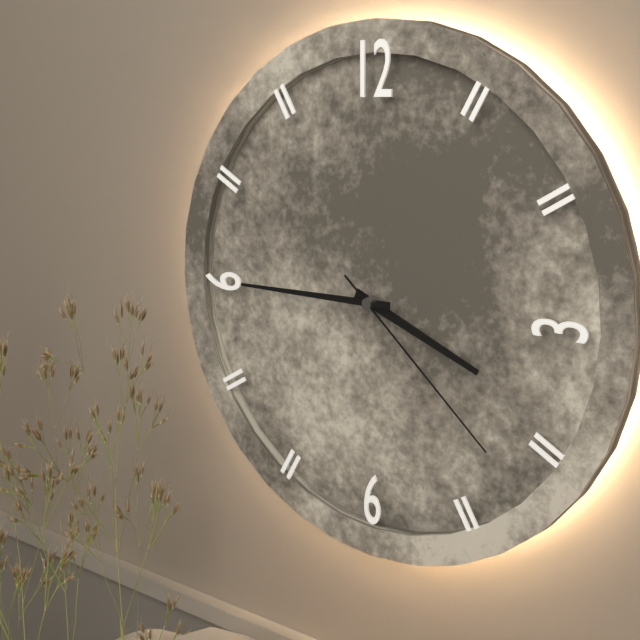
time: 3:45:22
